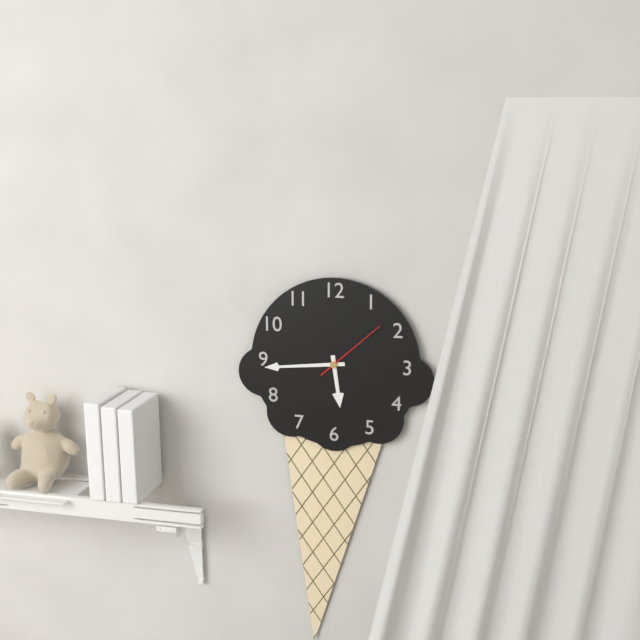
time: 5:44:08
